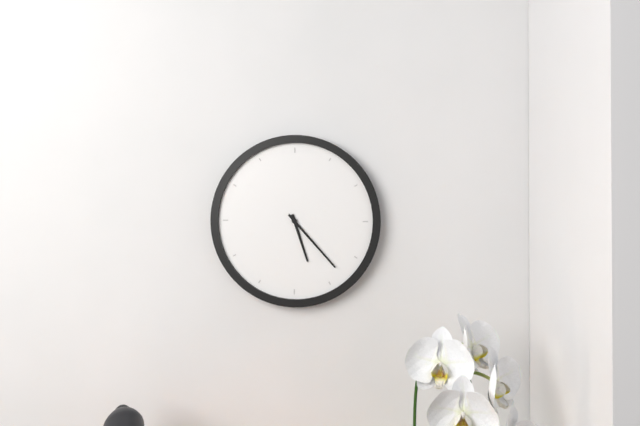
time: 5:23
